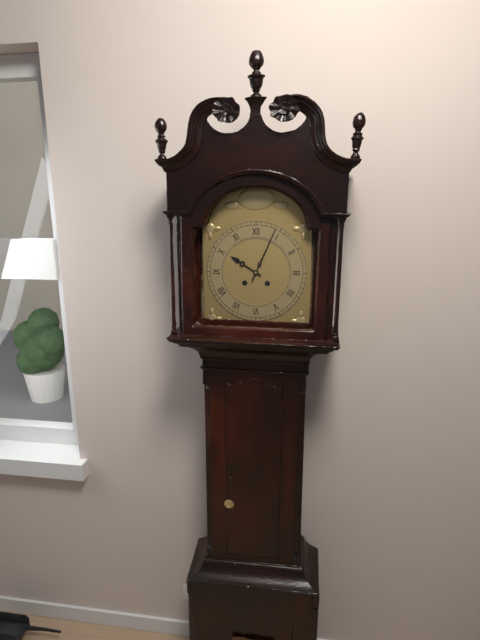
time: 10:04
